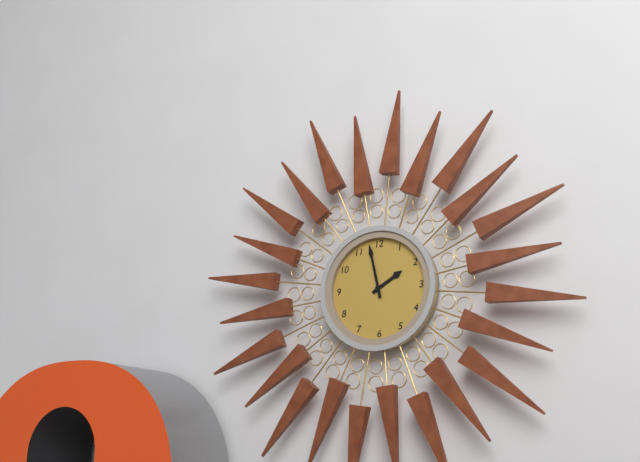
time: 1:58
